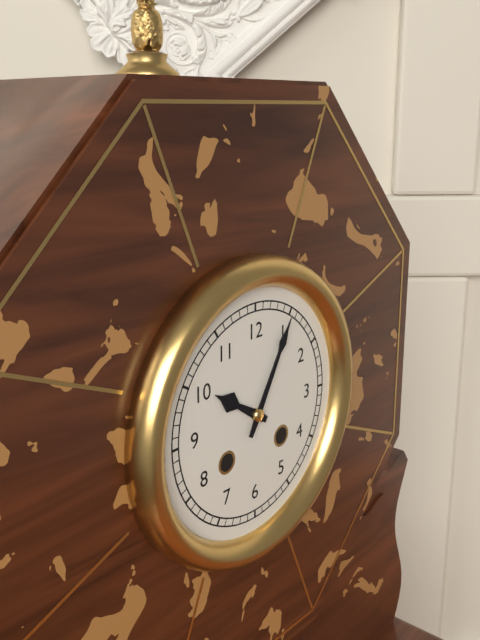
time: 10:05
